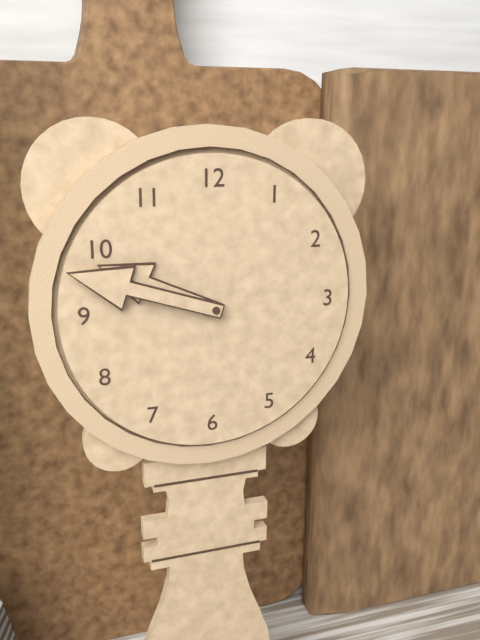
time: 9:48
